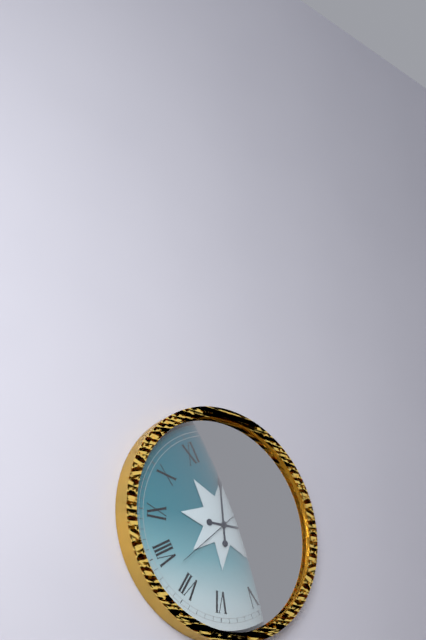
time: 2:59:38
